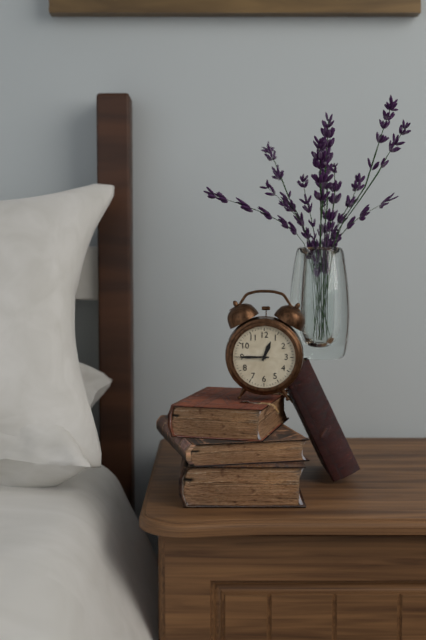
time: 12:45
